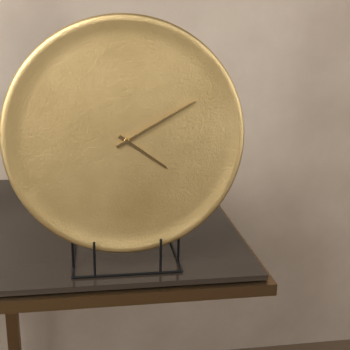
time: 4:10
